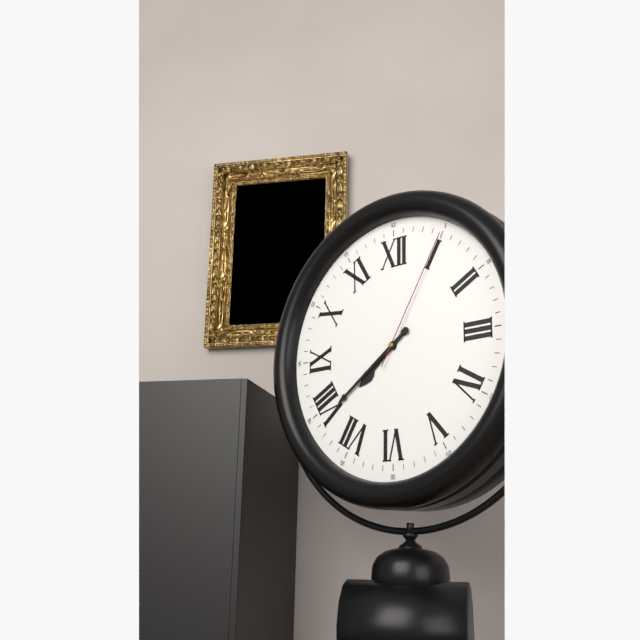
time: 7:39:05
